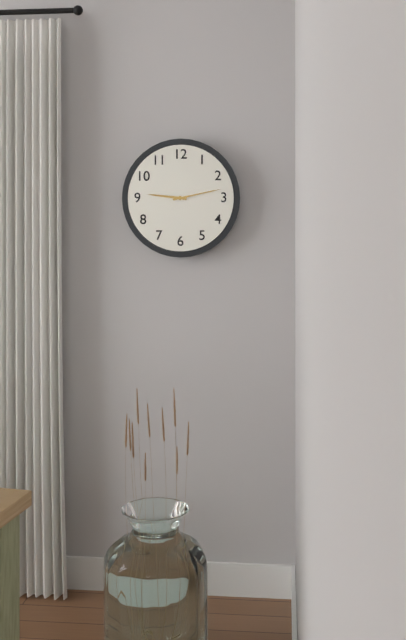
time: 9:13
